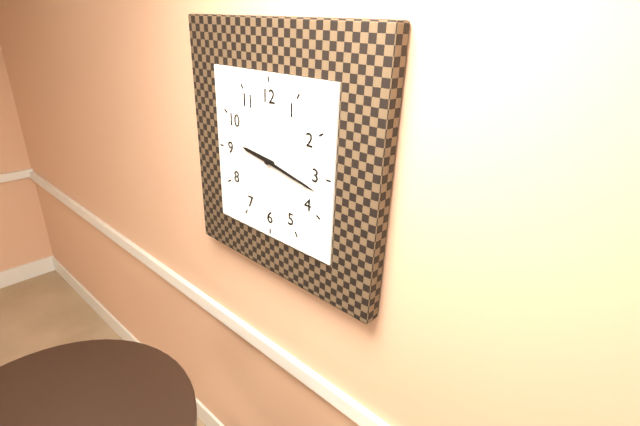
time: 9:17
